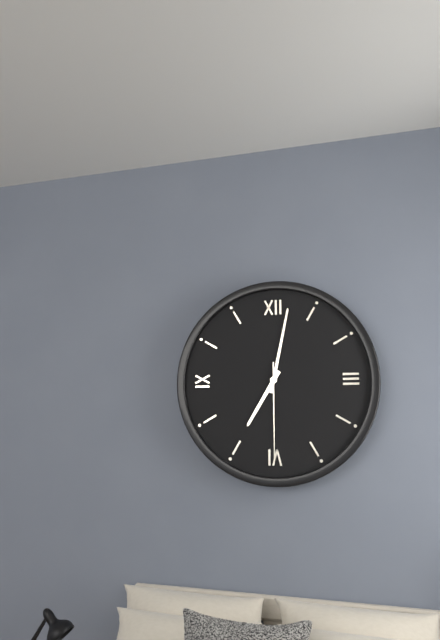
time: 7:02:30
